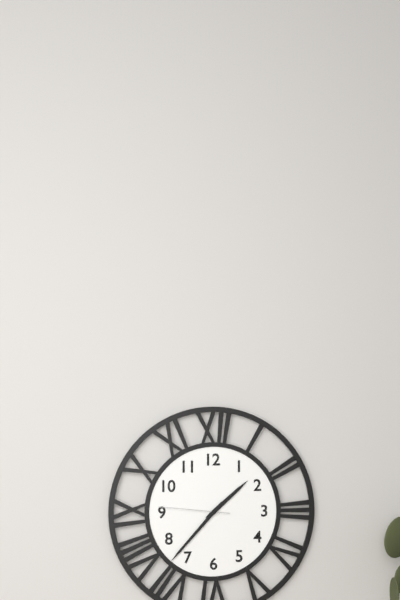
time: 1:37:46
